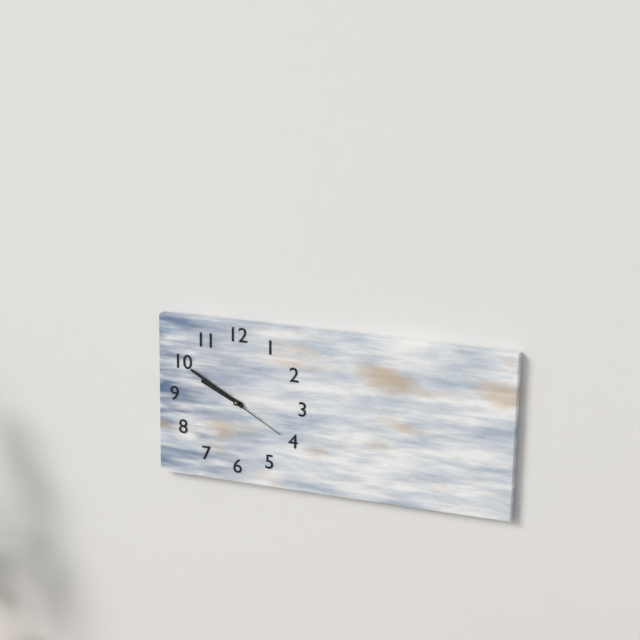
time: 9:50:20
